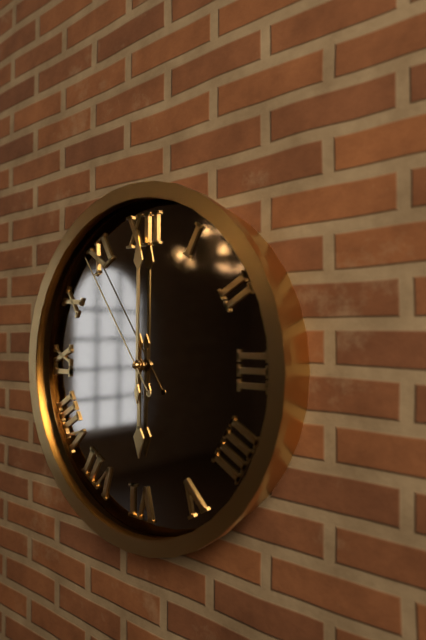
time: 6:00:54
